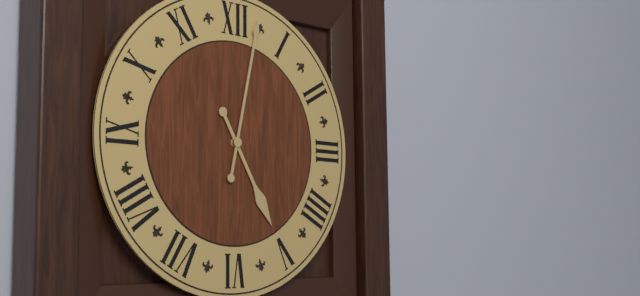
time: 5:02
